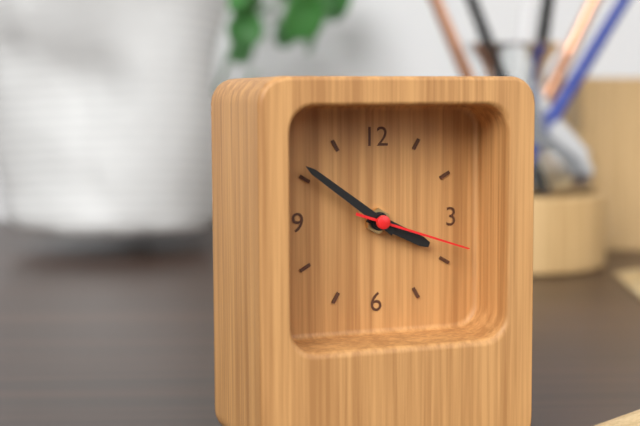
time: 3:51:18
